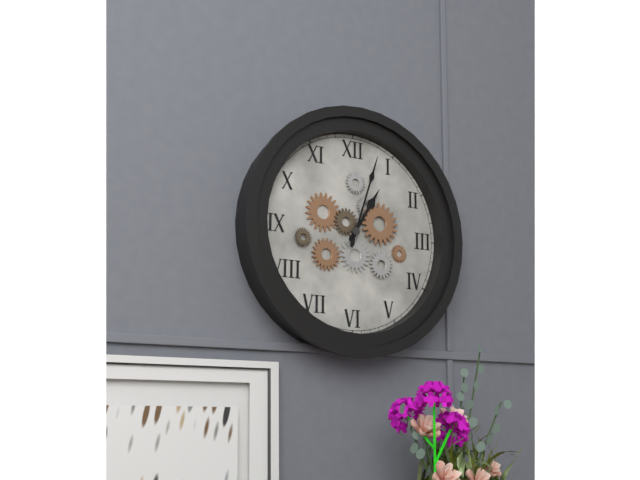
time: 1:03
